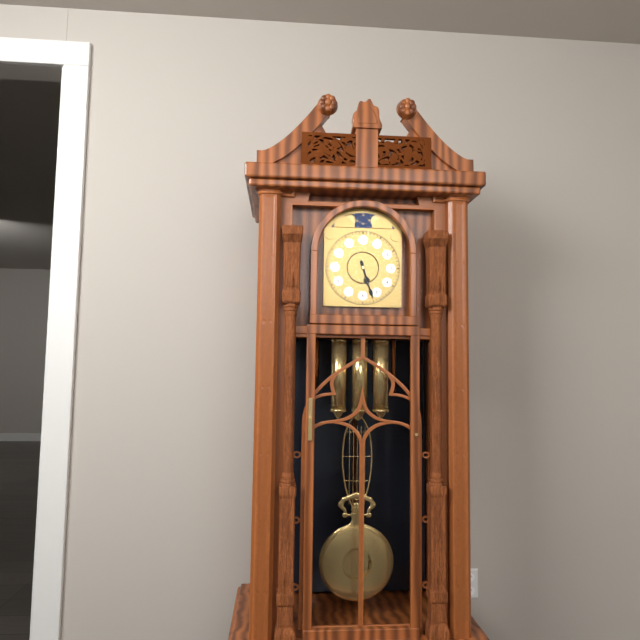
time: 5:27
